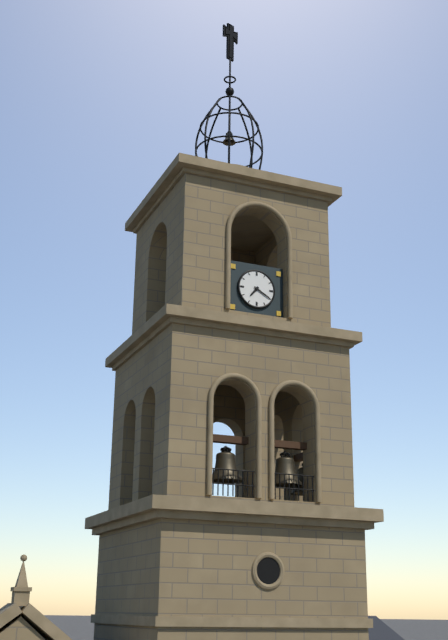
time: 7:20
